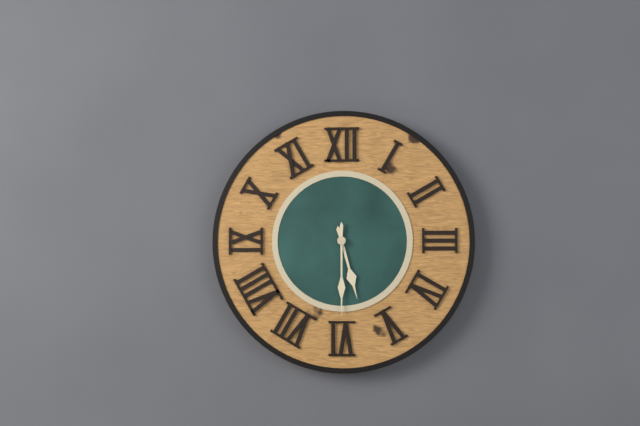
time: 5:30
